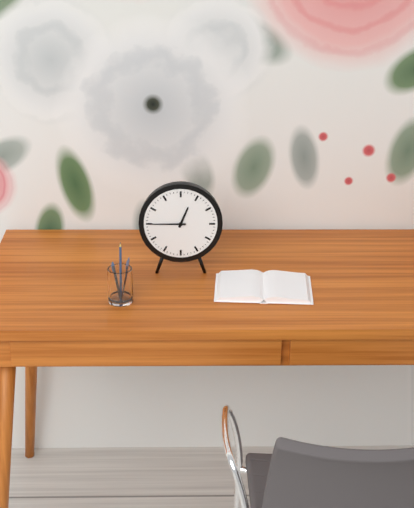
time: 12:45
